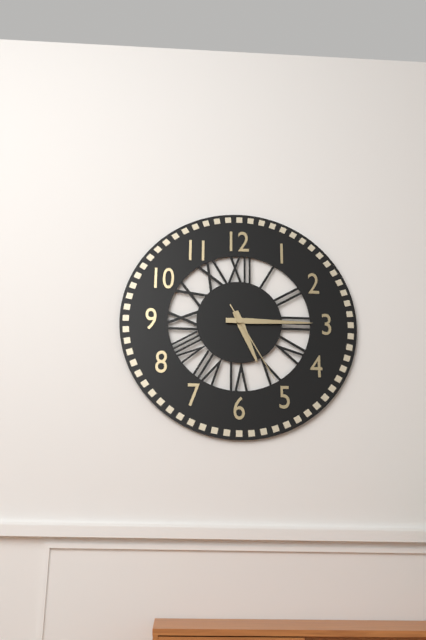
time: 5:15:25
